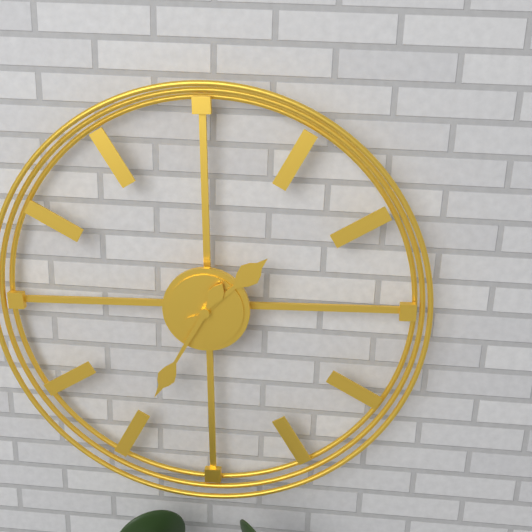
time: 1:35
